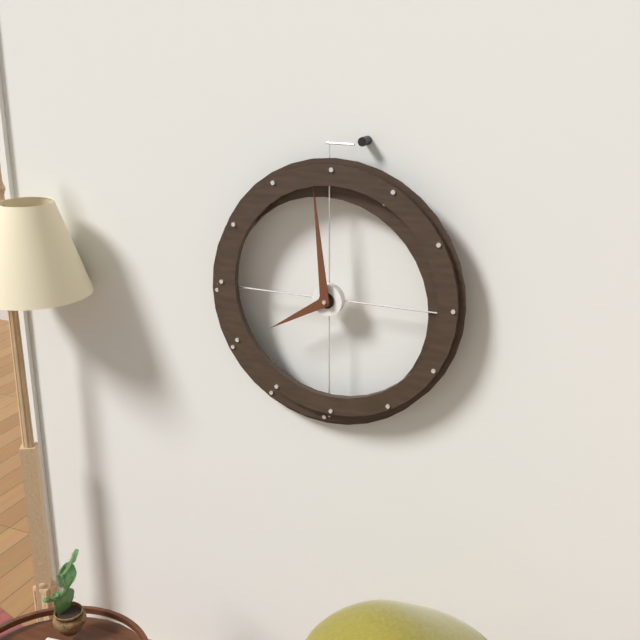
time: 7:59
